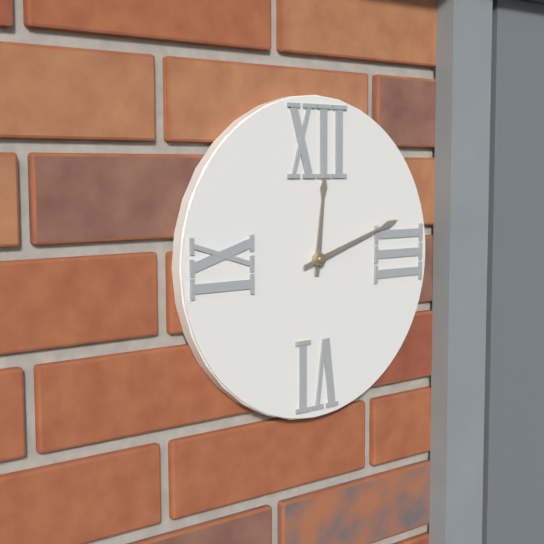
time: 12:12
